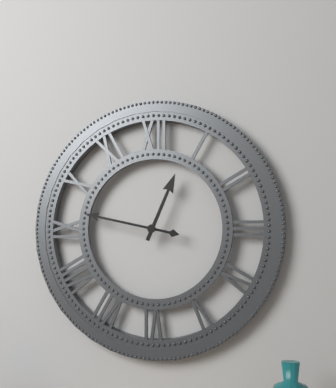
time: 12:47
